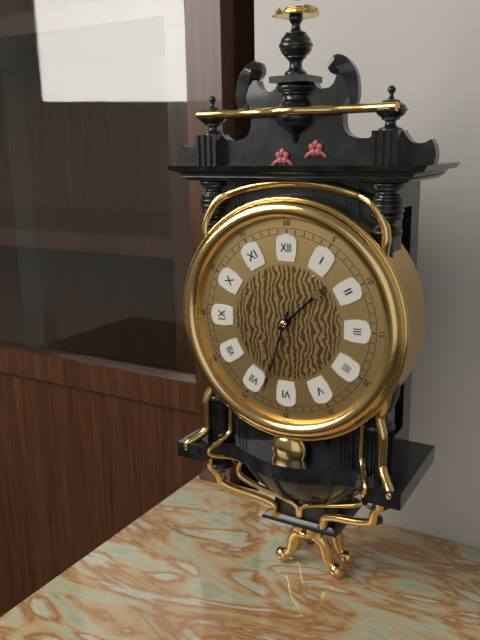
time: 1:33
